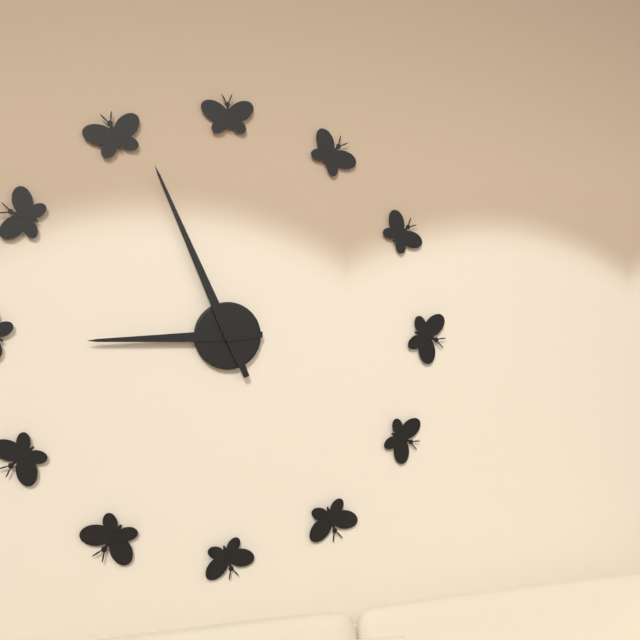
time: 8:56
